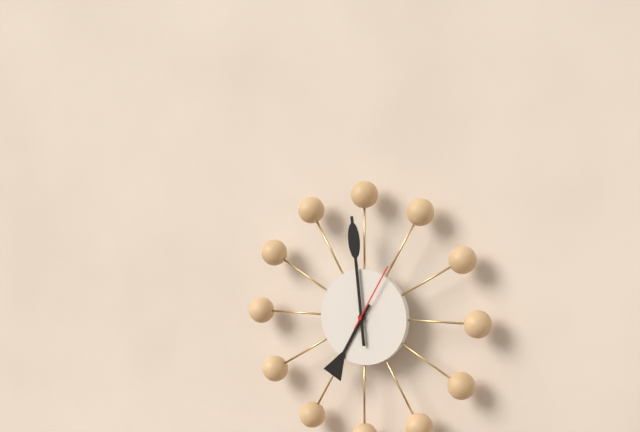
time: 6:59:05
